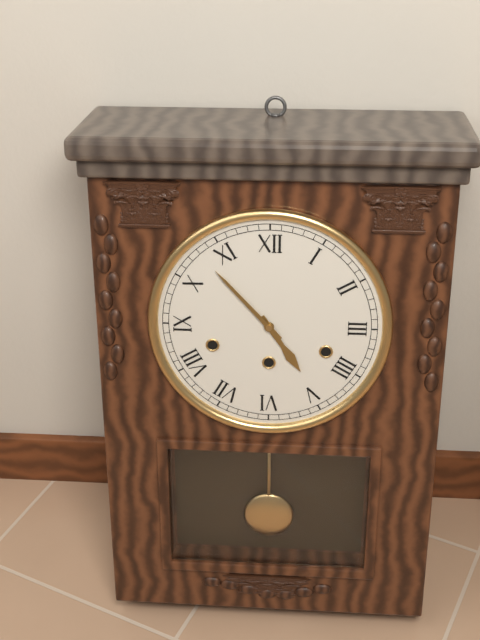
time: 4:53
